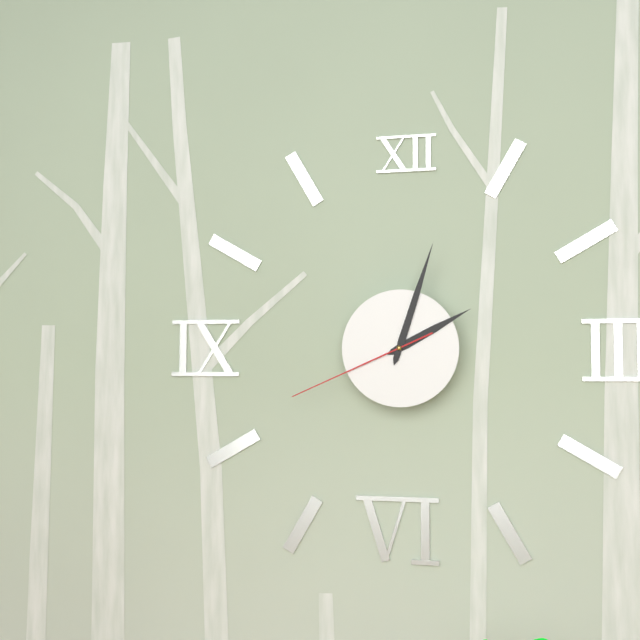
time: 2:03:41
